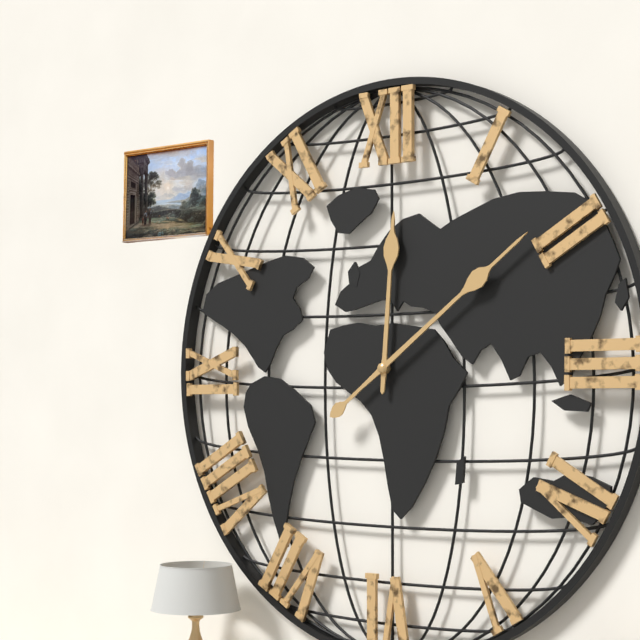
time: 12:09
